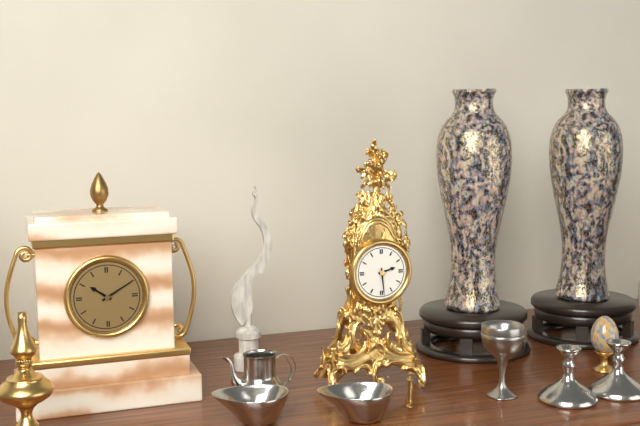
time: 2:29
